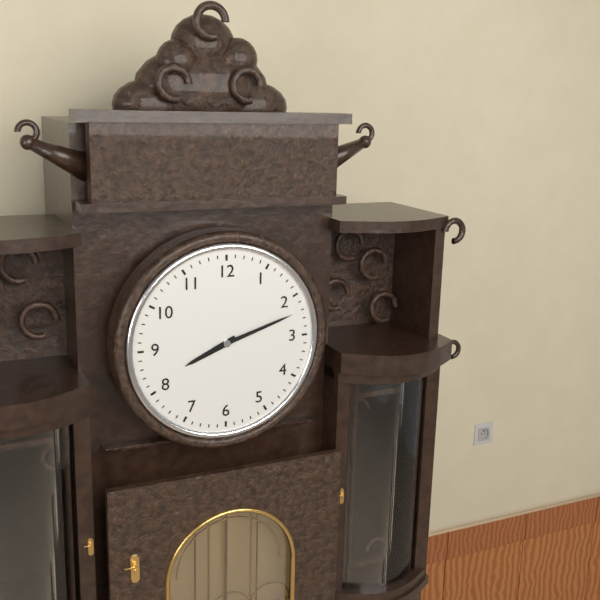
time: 8:12
